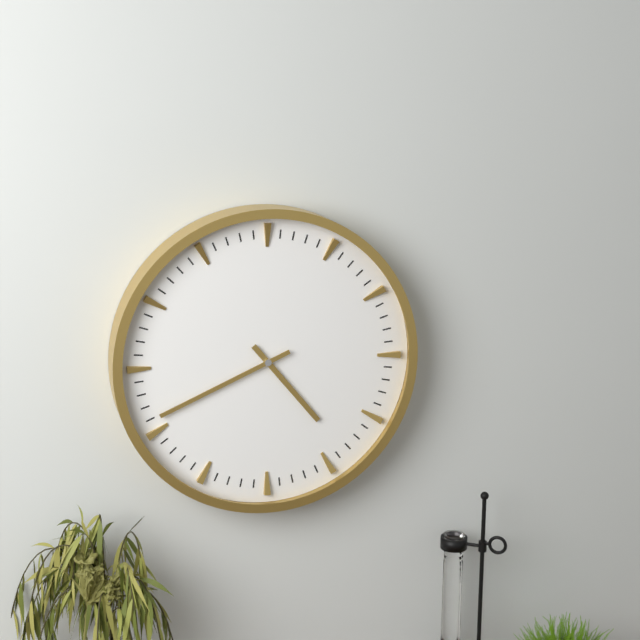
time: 4:41
